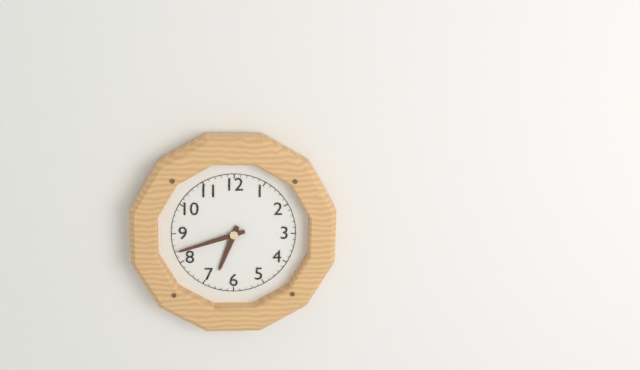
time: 6:42
